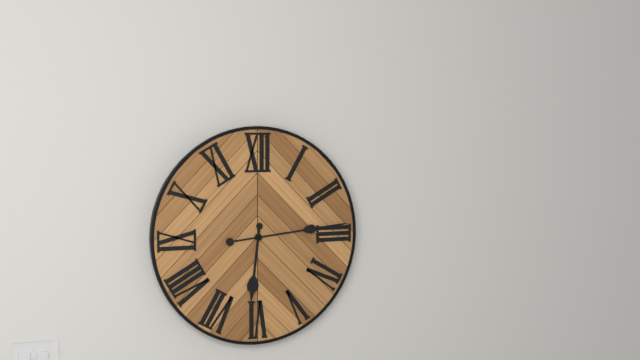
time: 6:14
